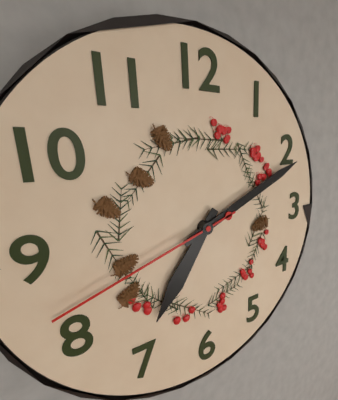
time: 7:11:42
